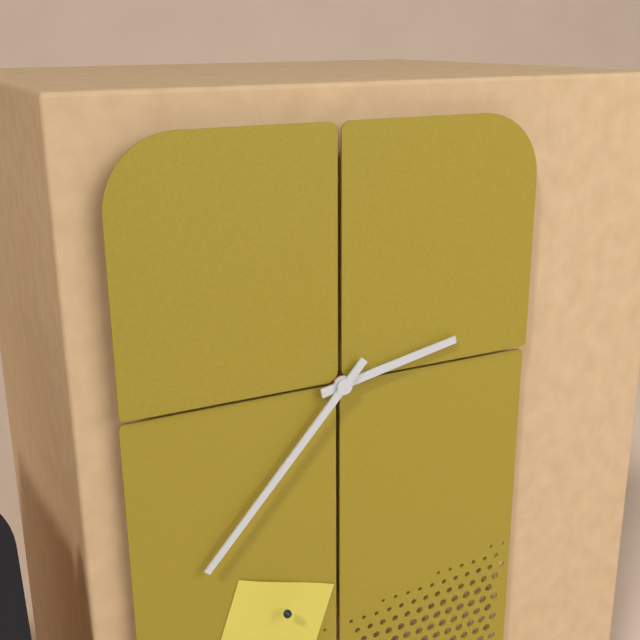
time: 2:37
